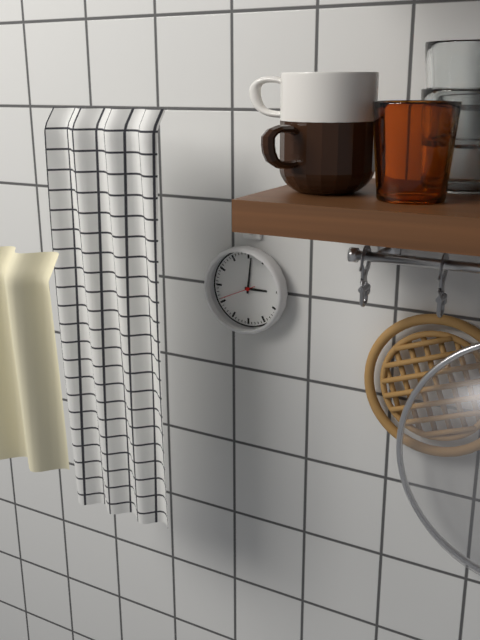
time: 3:01
